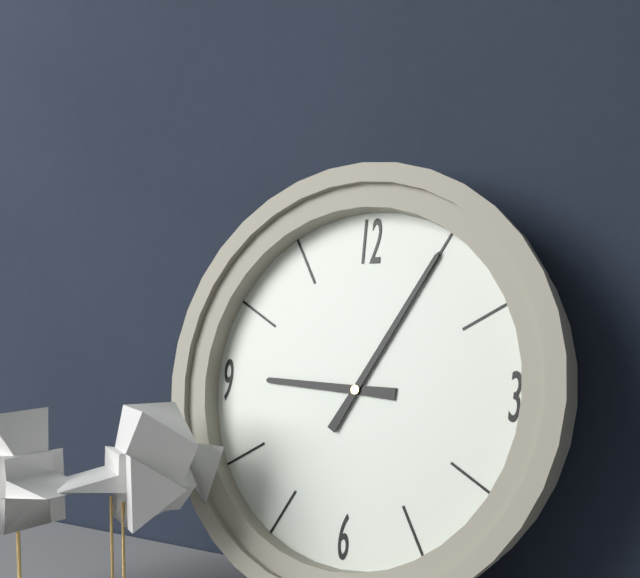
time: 9:05
